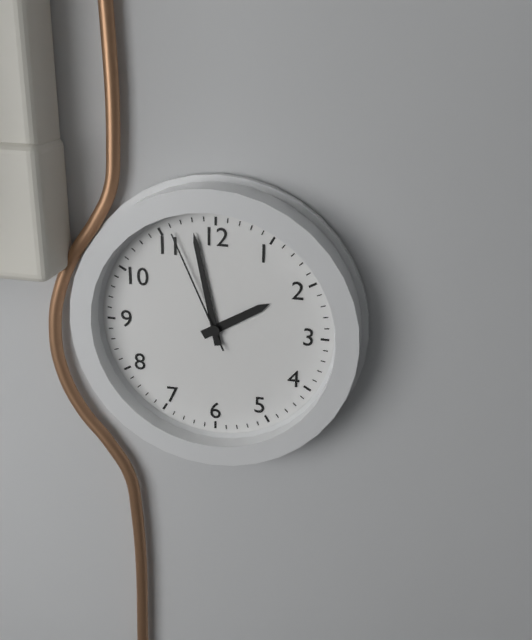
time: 1:58:56
